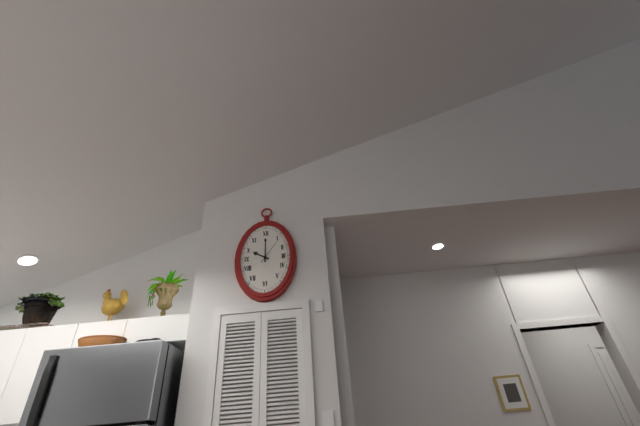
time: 10:00
